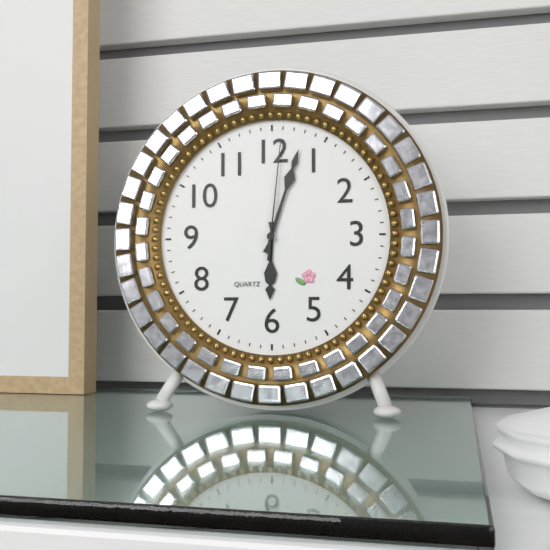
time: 6:03:01
